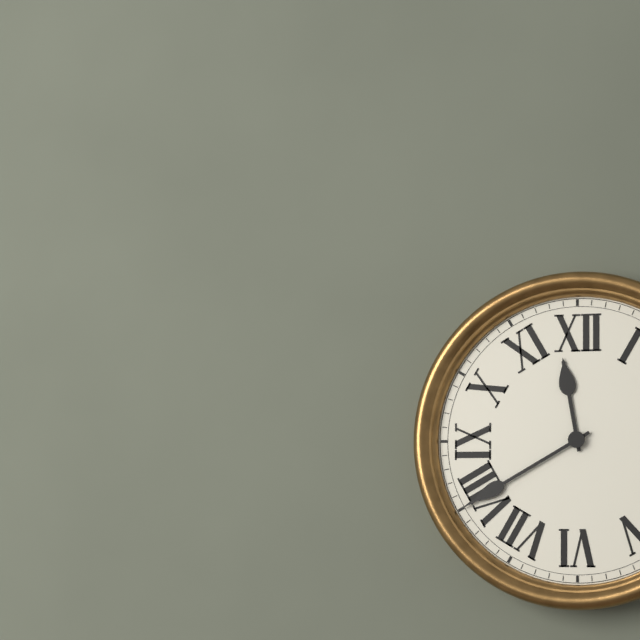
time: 11:40
